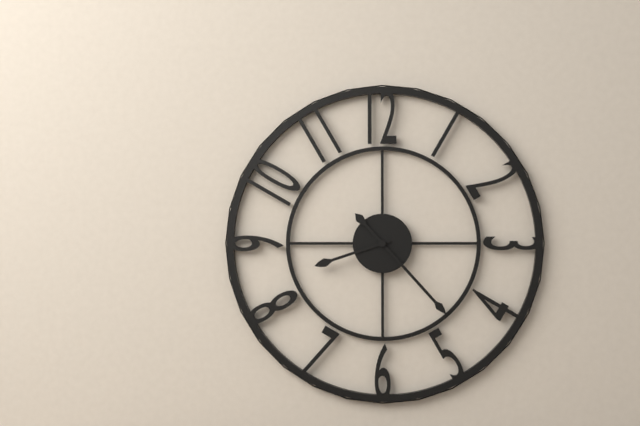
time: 8:23
